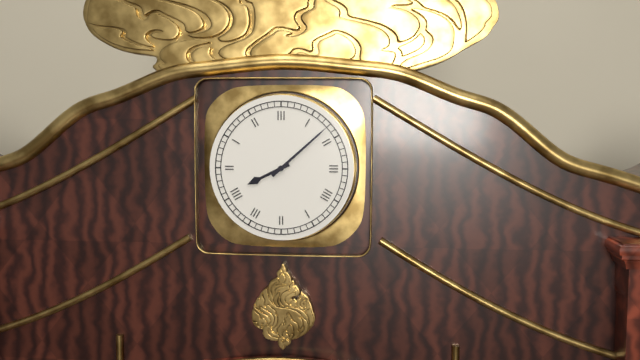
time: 8:08
